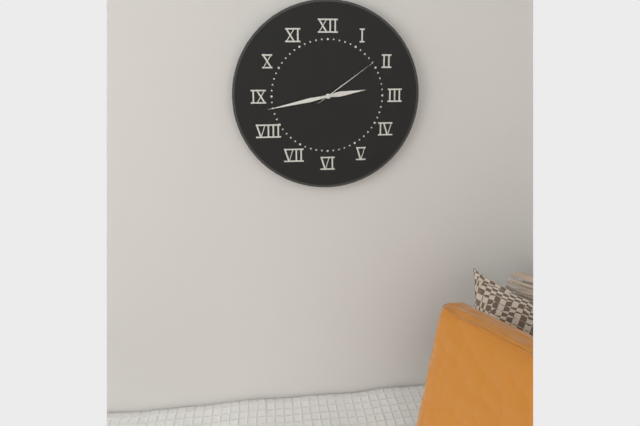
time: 2:43:09
